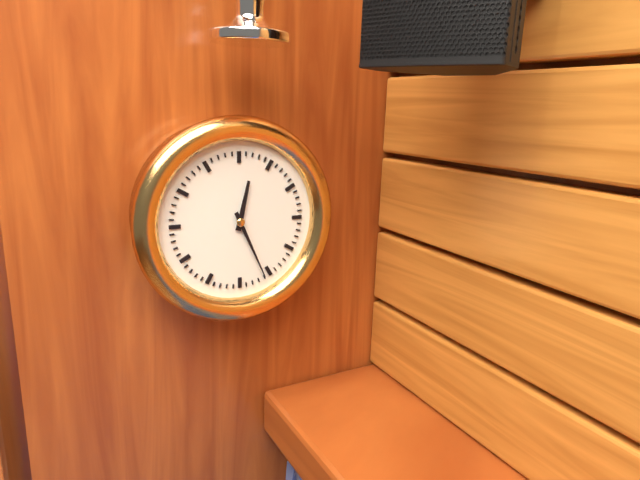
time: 12:26
